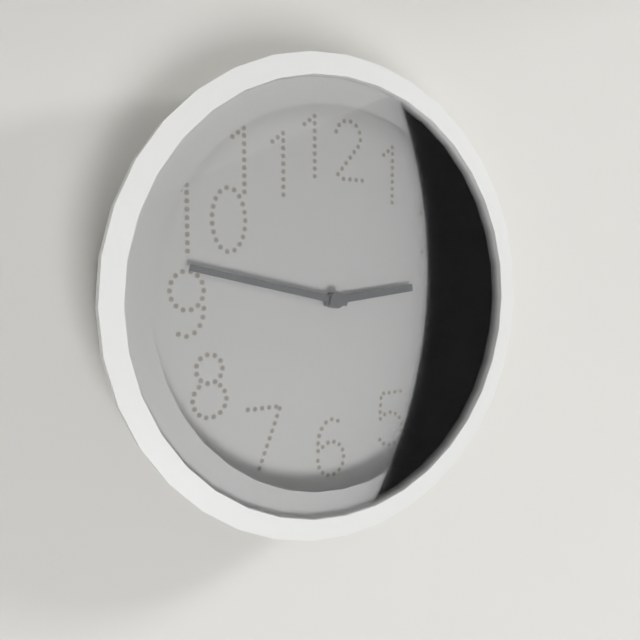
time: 2:47
